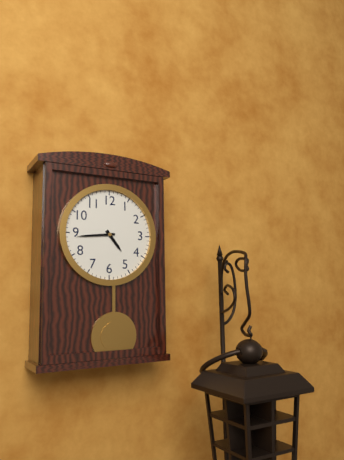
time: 4:44
